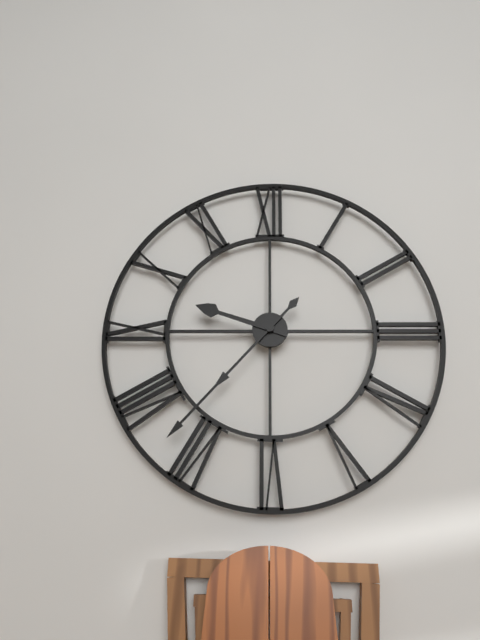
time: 9:37
